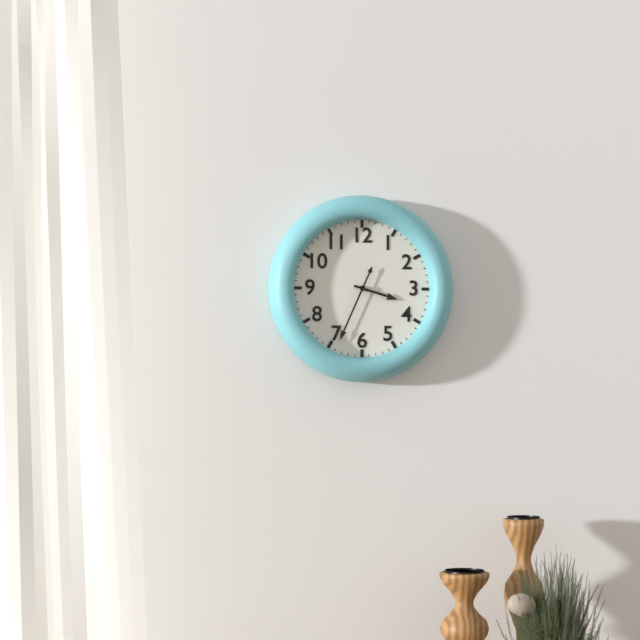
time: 3:34
